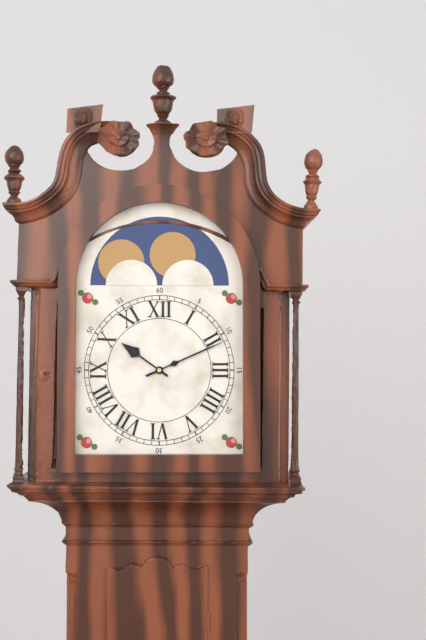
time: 10:11
